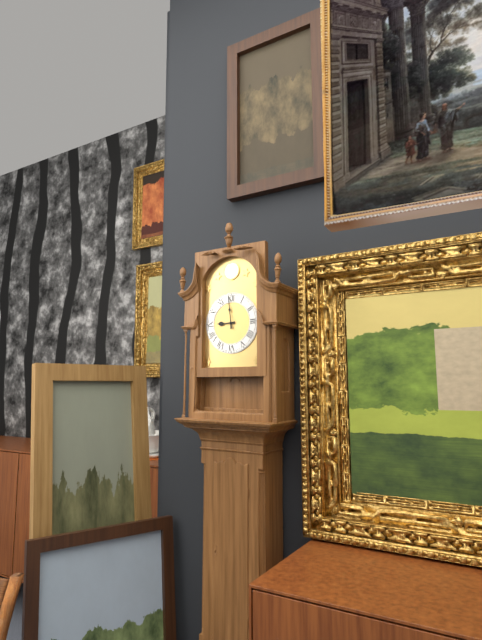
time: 8:59
